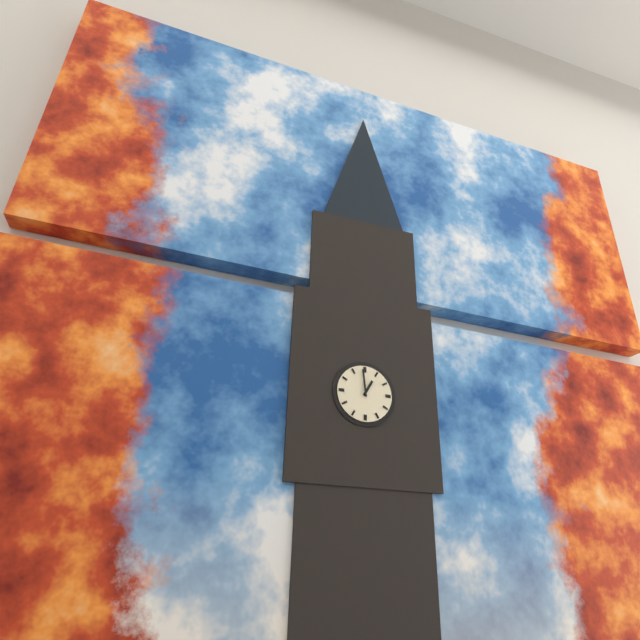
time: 12:59
